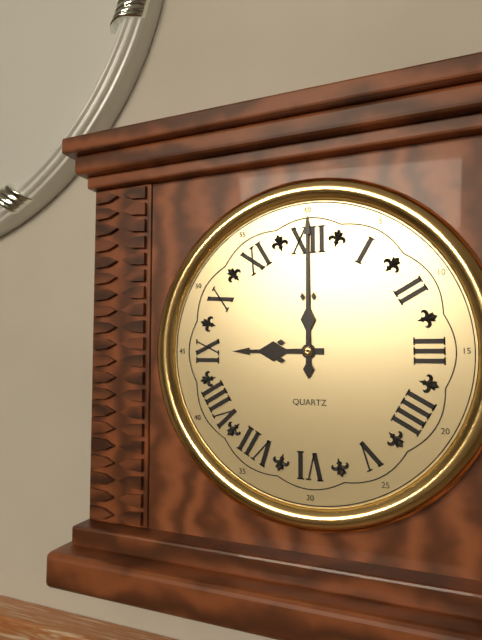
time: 9:00
